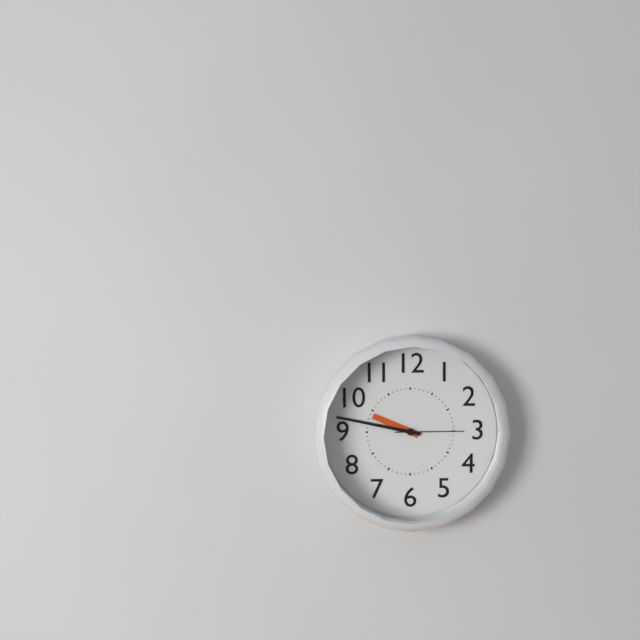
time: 9:47:15
